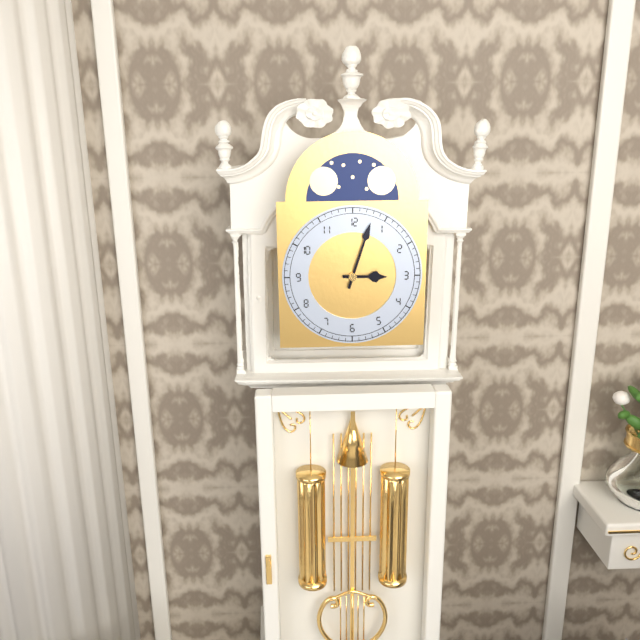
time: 3:03
